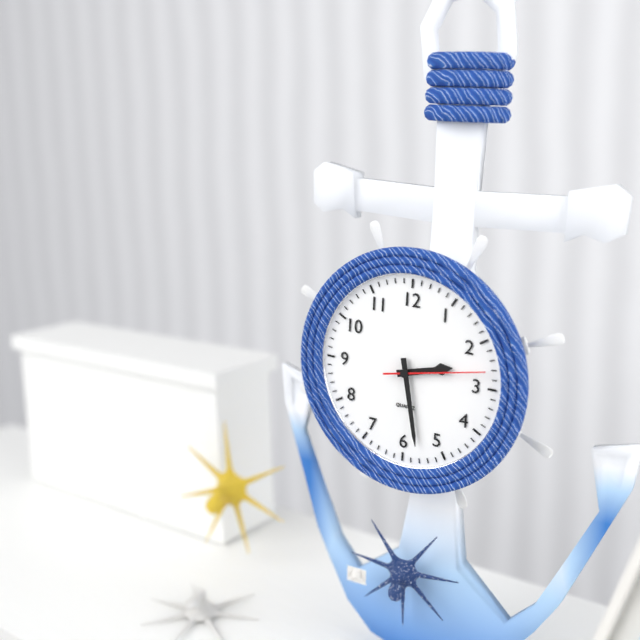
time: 2:28:13
